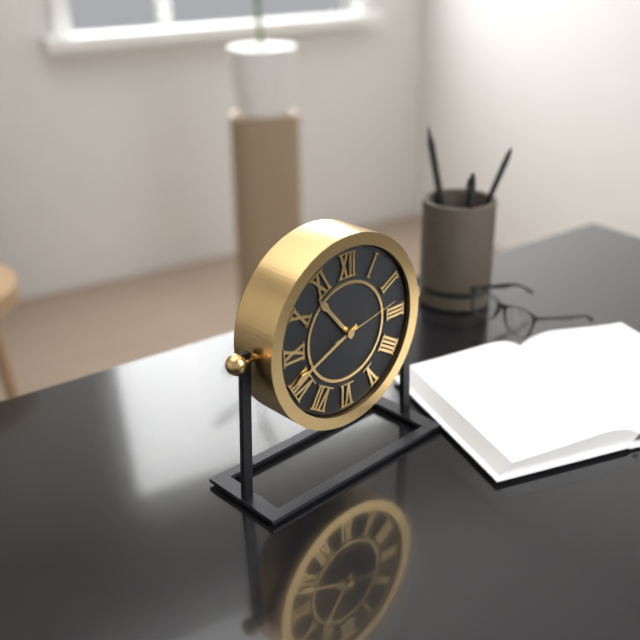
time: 10:41:13
